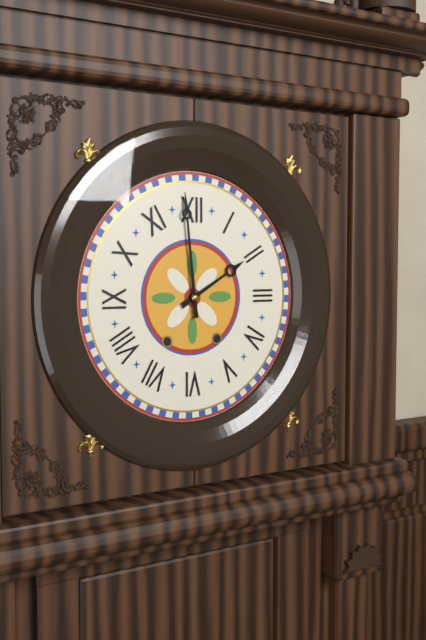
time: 1:59
